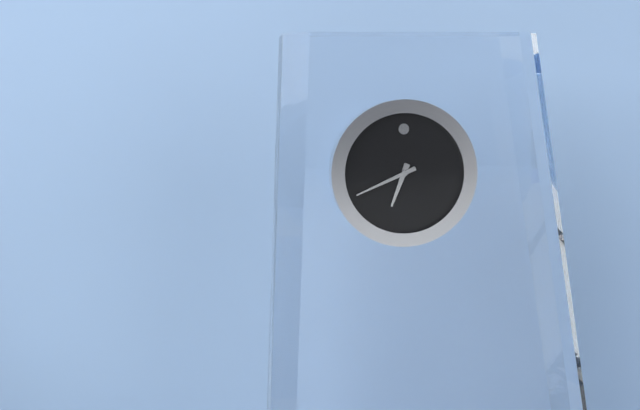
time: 6:41
